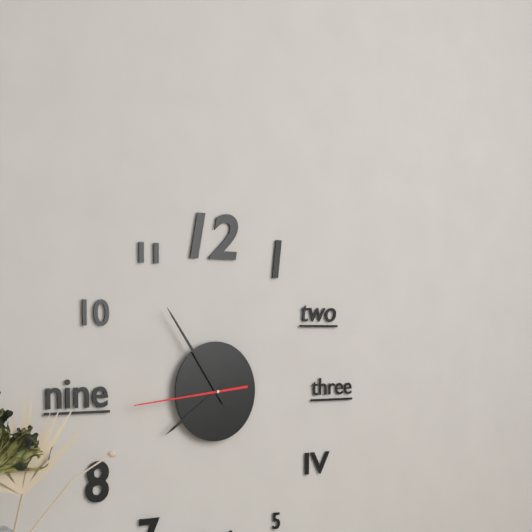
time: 7:54:44
